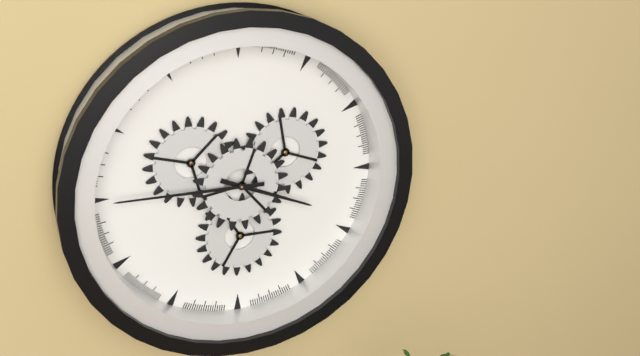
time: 3:45
